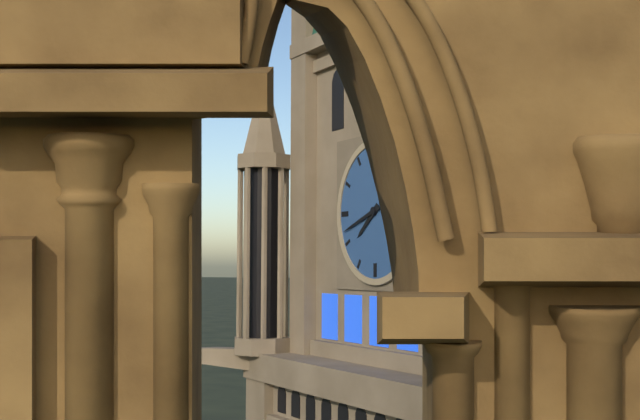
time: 7:42
